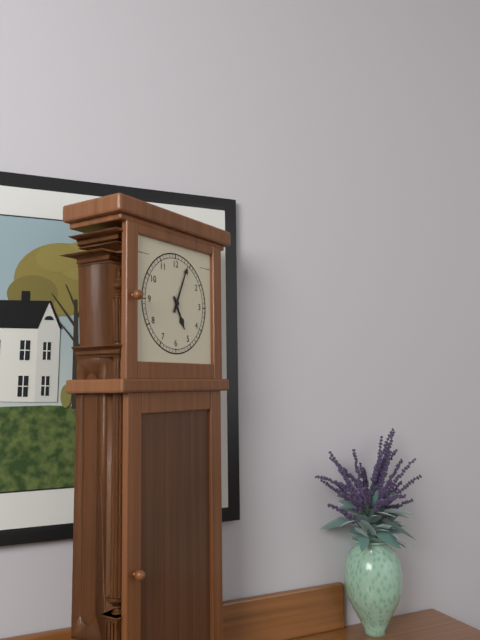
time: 5:04
